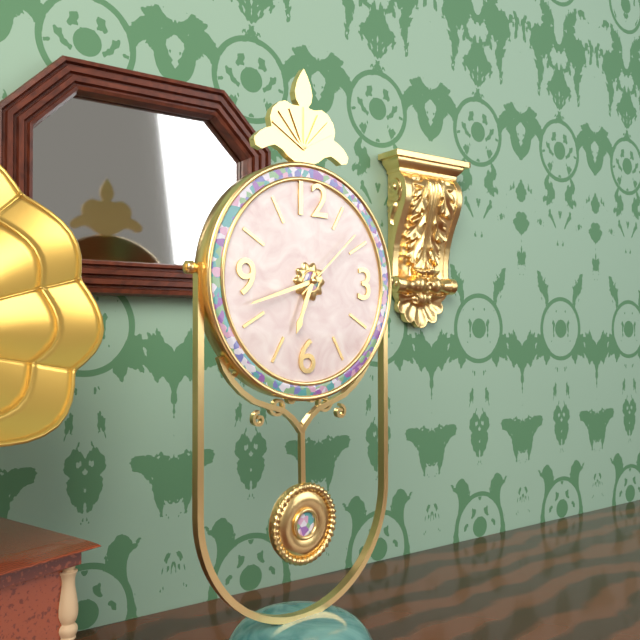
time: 6:42:08
